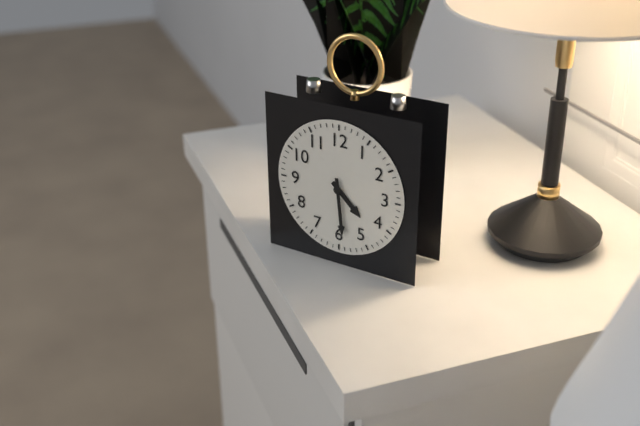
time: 4:29
